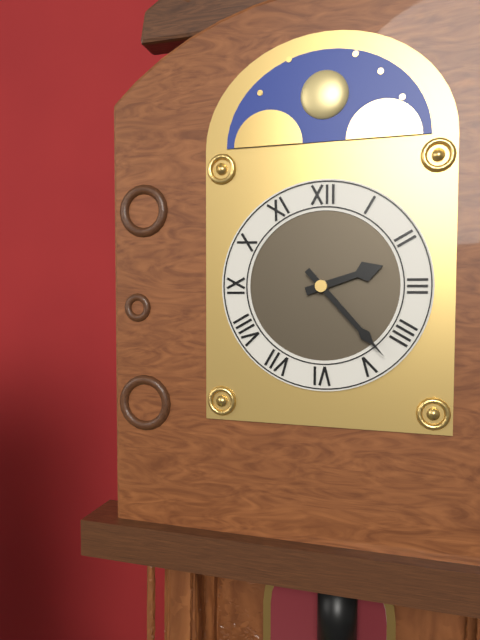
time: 2:23
